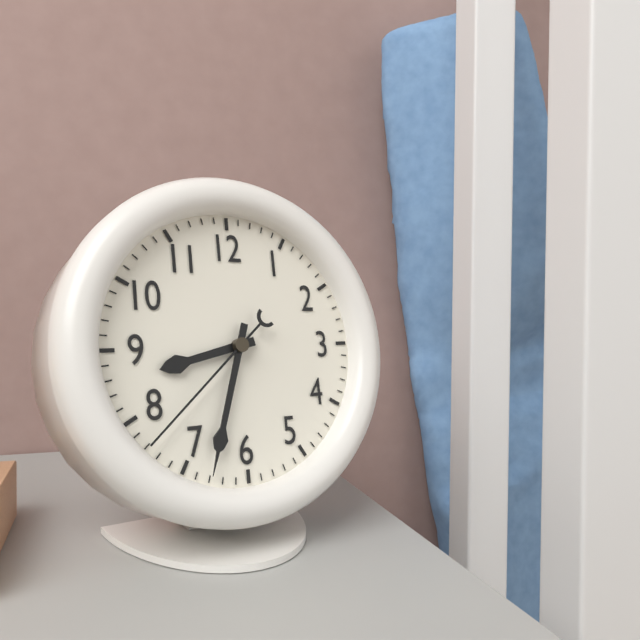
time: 8:33:38
